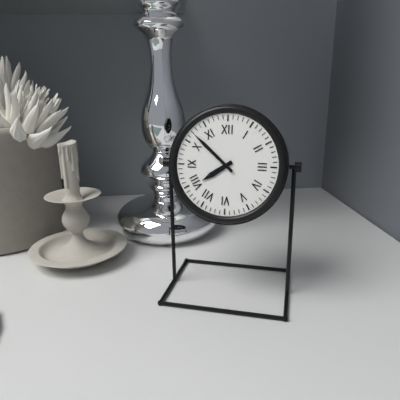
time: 7:52
